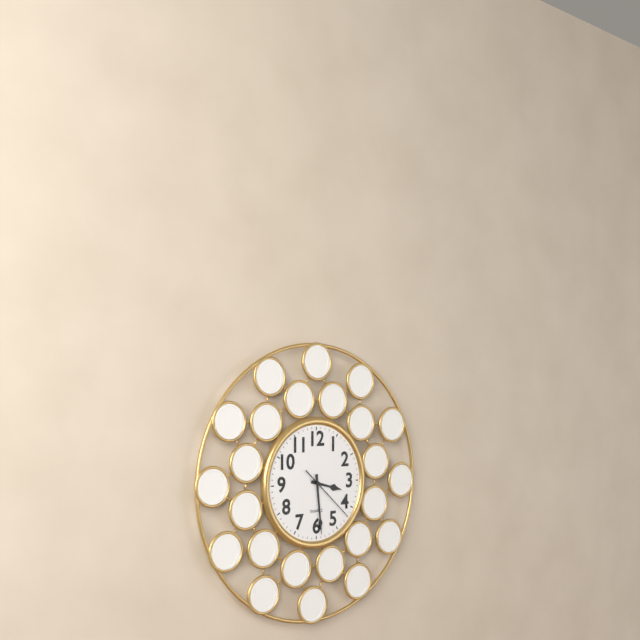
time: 3:29:22
